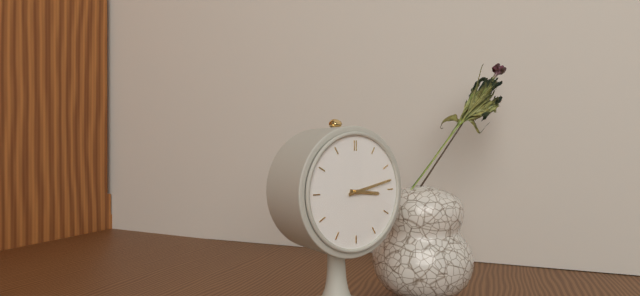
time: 3:13
